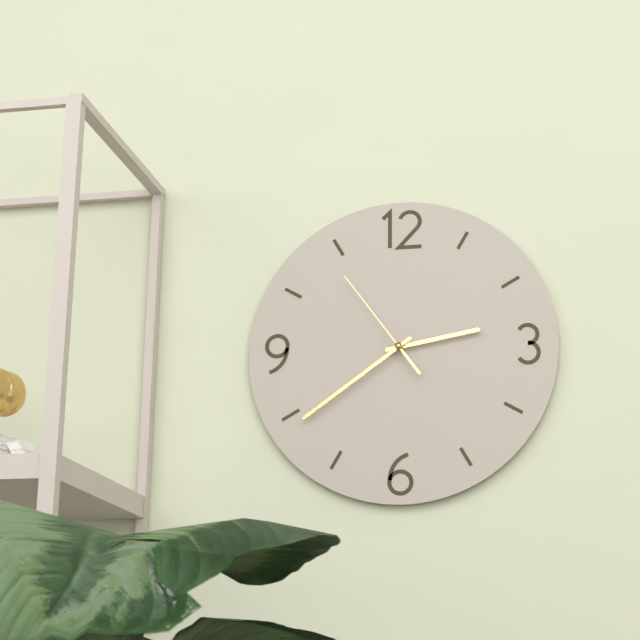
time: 2:39:54
